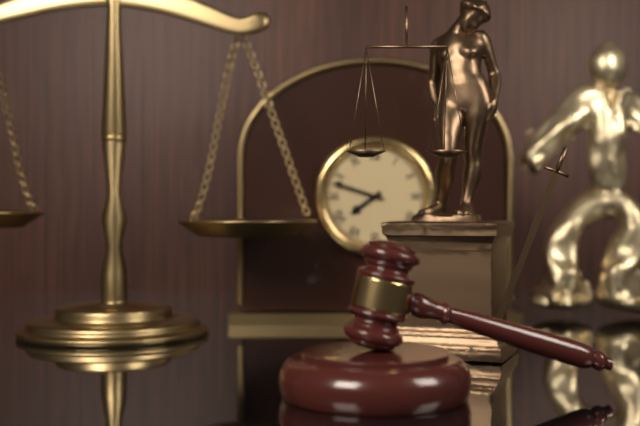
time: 7:48
